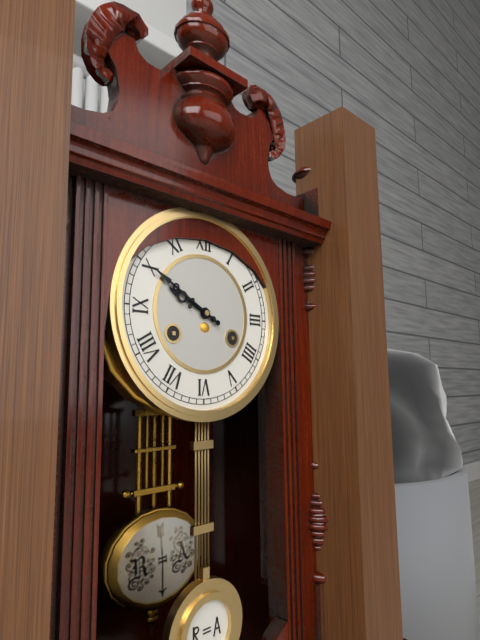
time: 9:50
